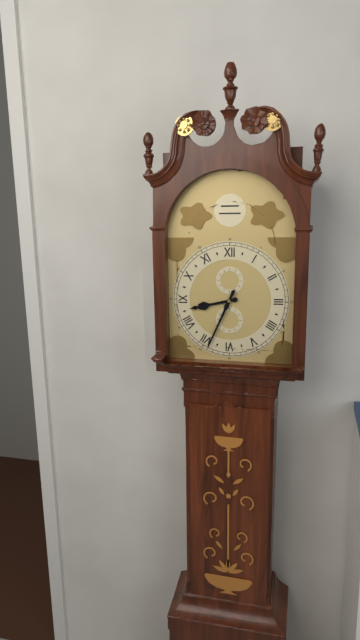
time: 8:34
